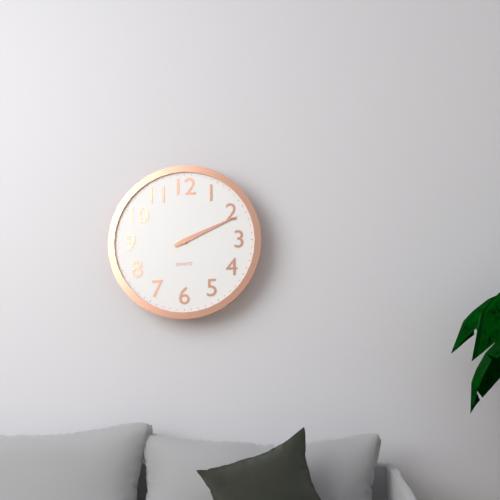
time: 2:11
